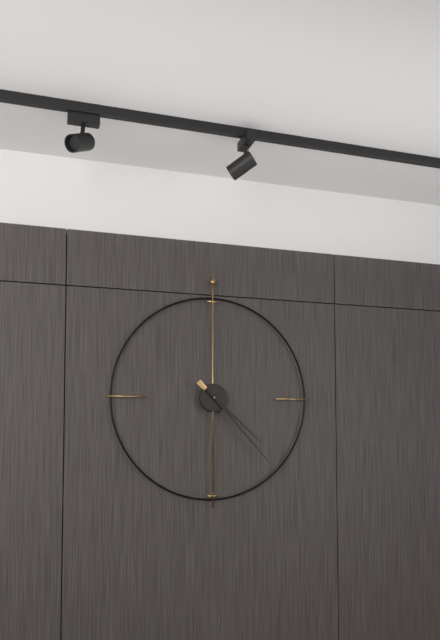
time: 4:23
